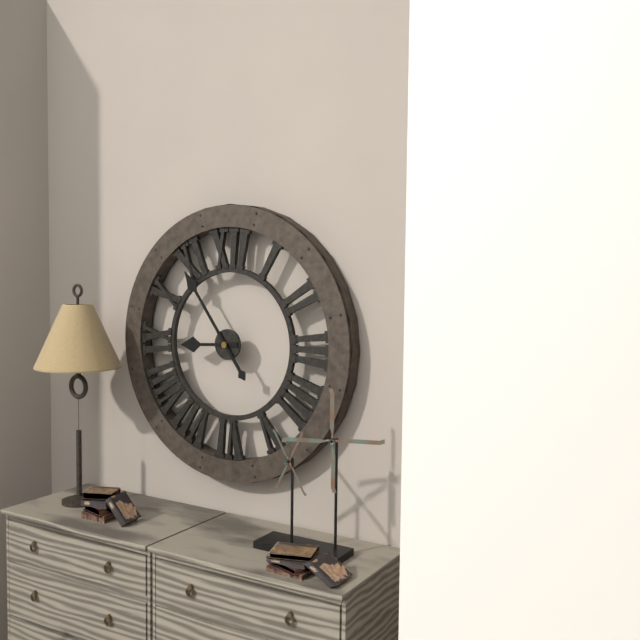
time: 8:54
